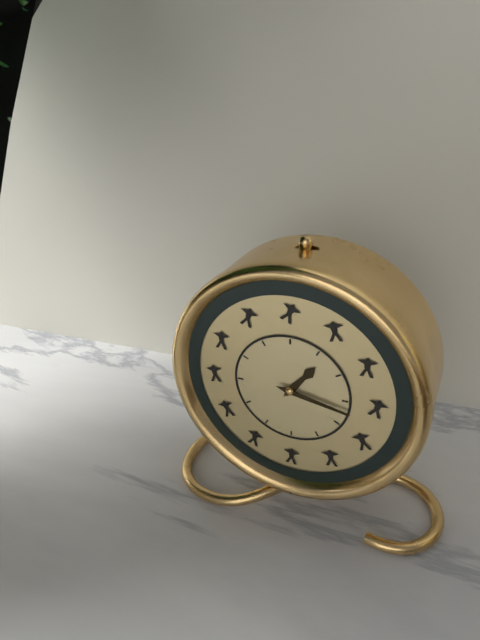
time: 1:17
